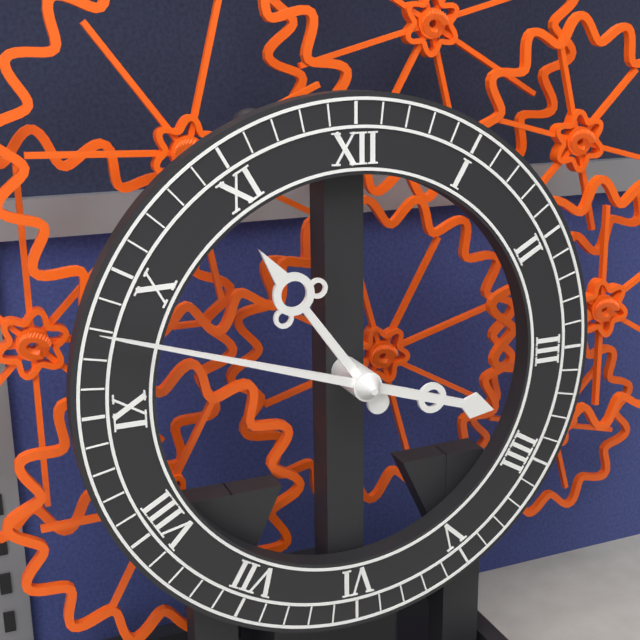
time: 10:48
